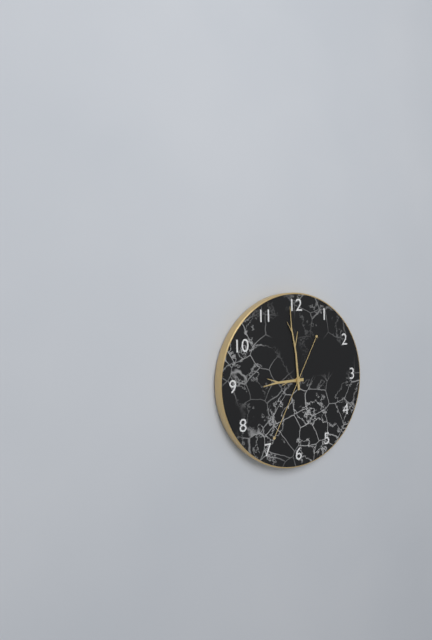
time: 8:59:35
